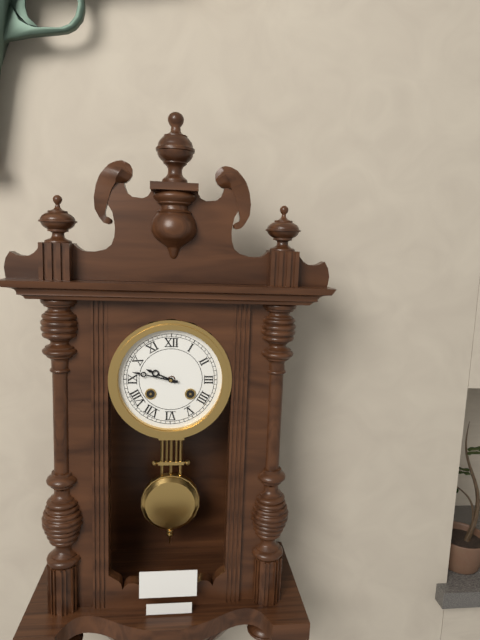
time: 9:47
